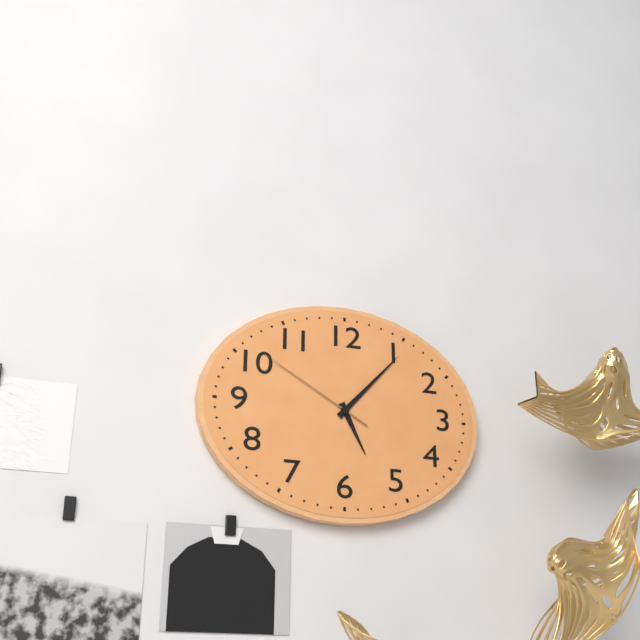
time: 5:07:50
